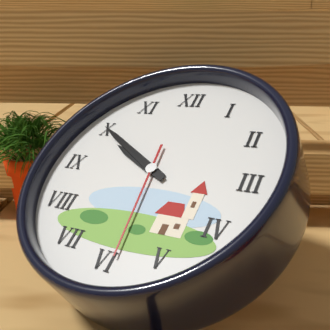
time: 9:50:29
